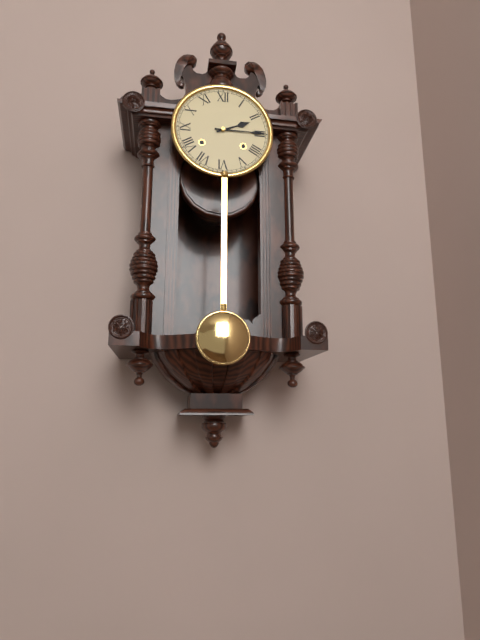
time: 2:15
